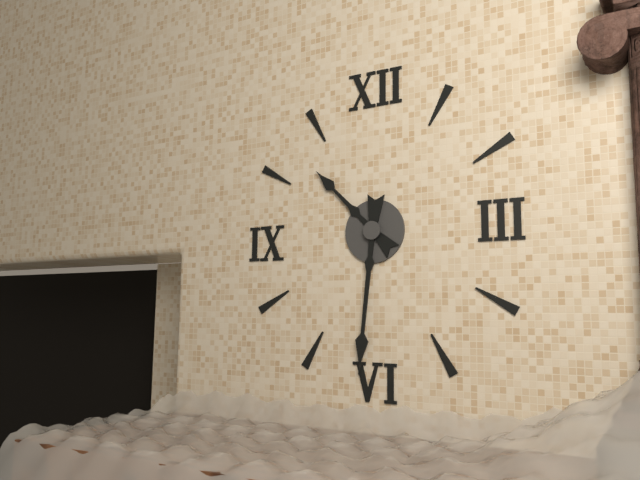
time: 10:31
